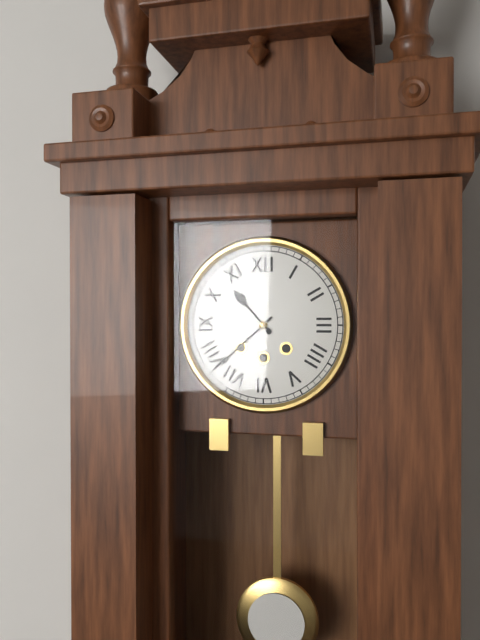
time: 10:38
